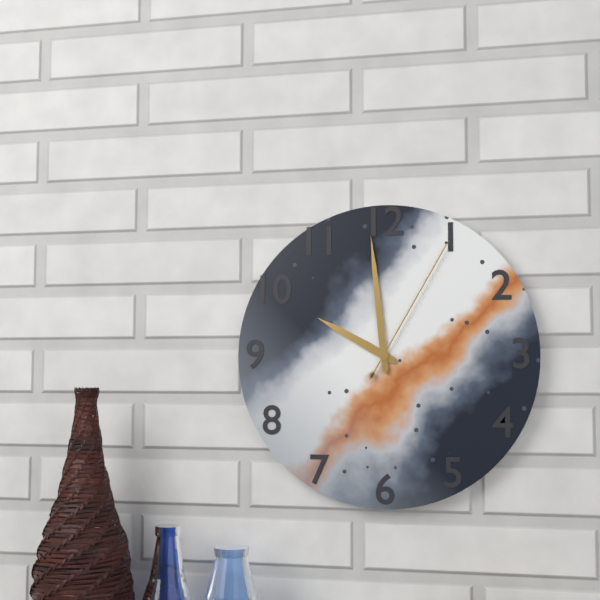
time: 9:59:05
